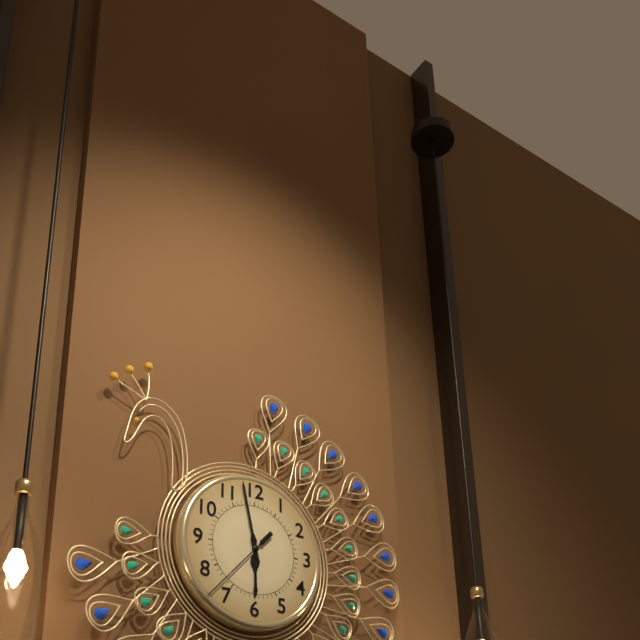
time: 5:58:37
